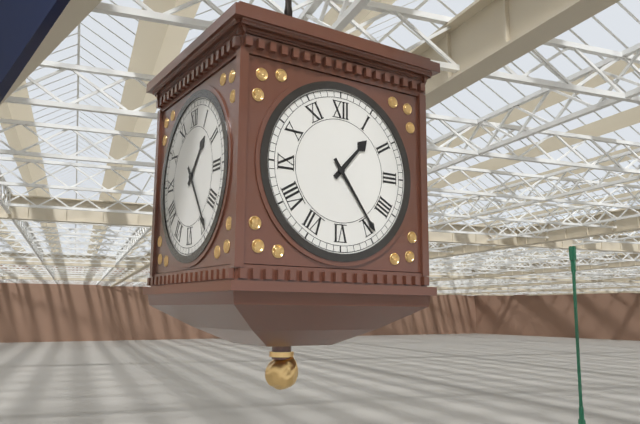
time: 1:24
